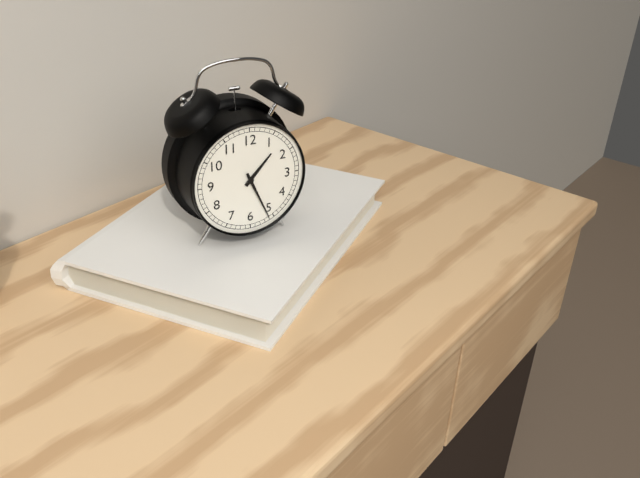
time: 1:26
